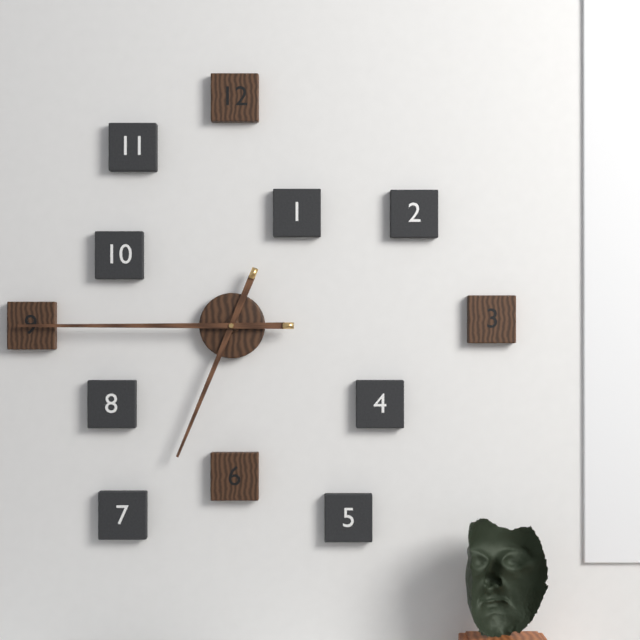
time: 6:45
